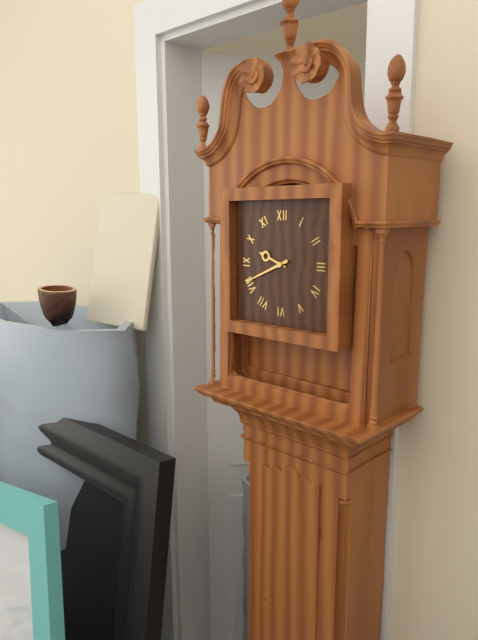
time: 9:41
